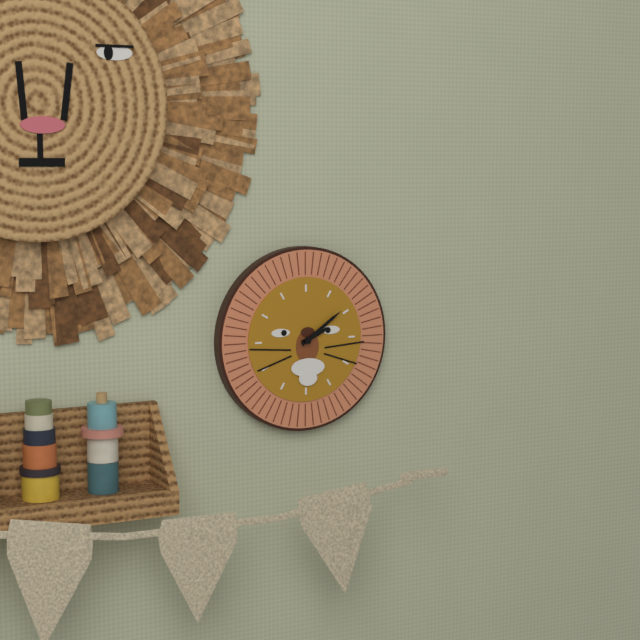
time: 2:09
